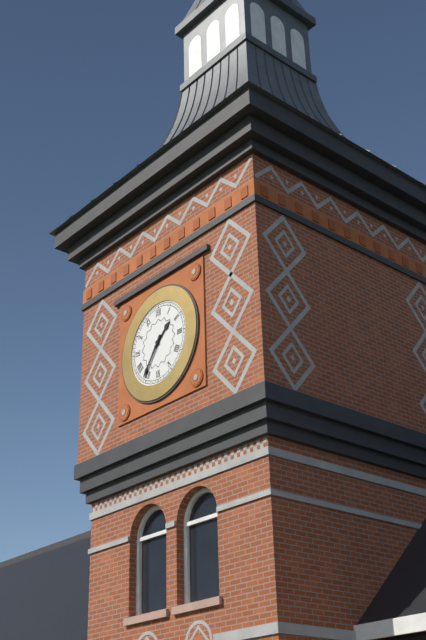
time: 1:36
